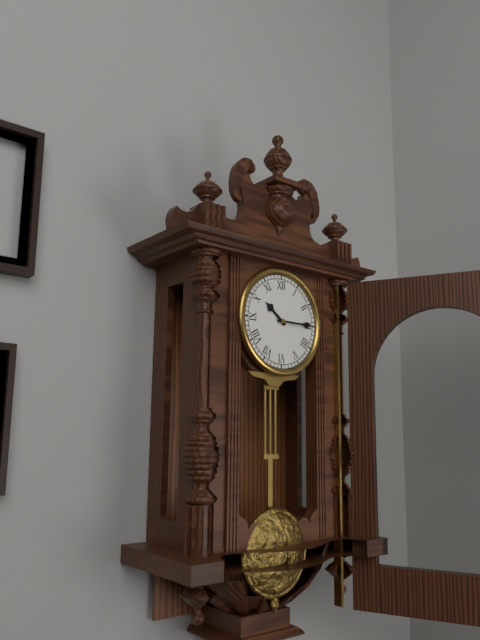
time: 10:15
